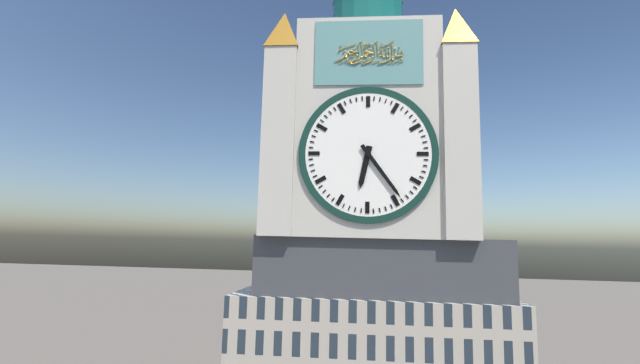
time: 6:24
